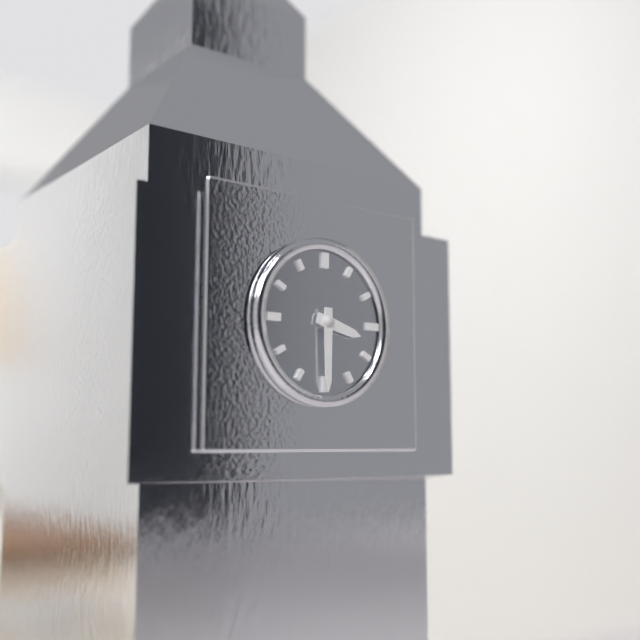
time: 3:30
